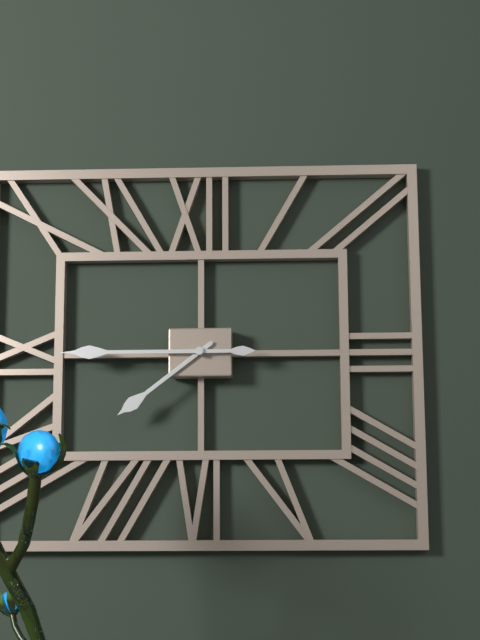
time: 7:45
